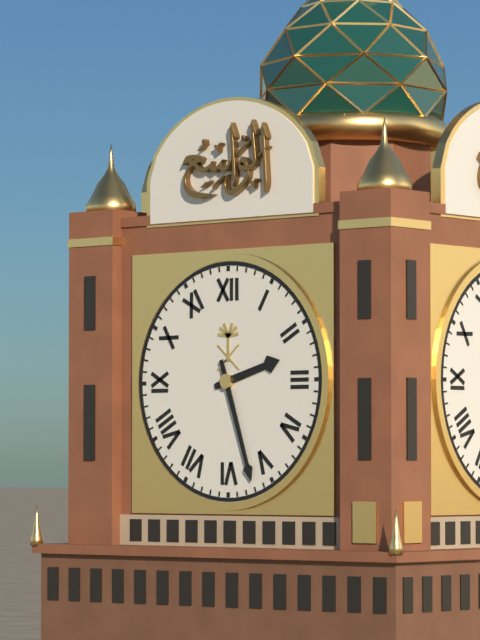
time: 2:27
